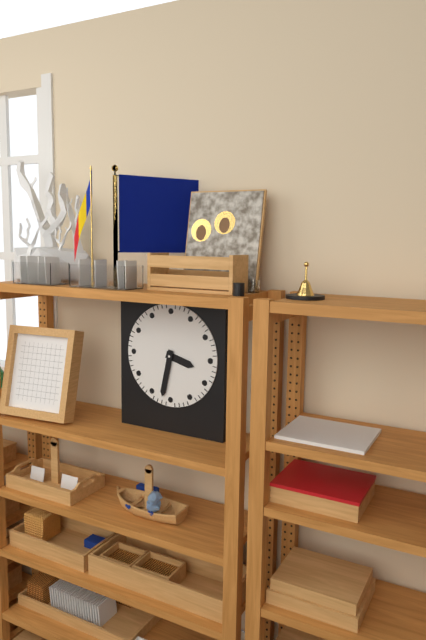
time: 3:32
